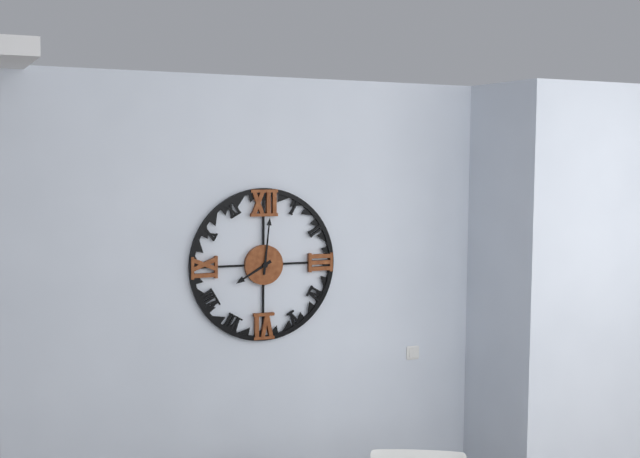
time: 8:01
